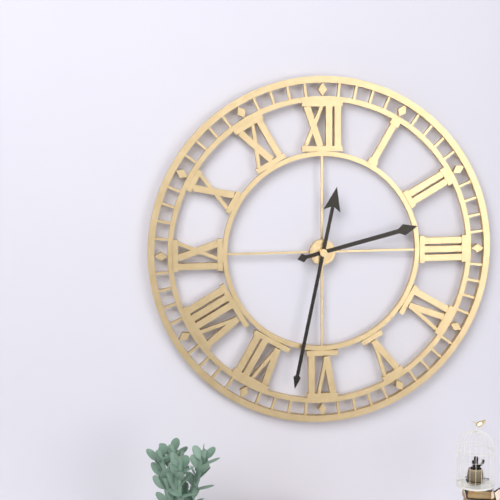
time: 2:32
